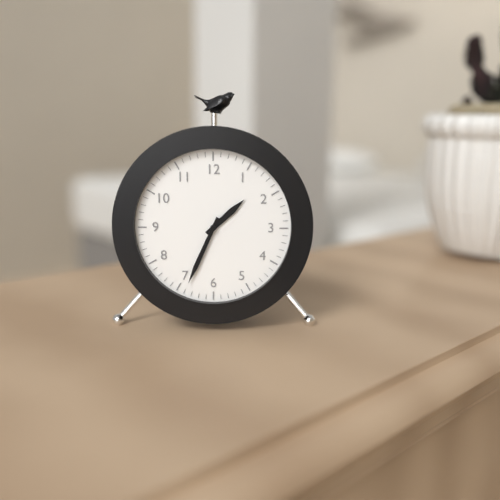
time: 1:34
